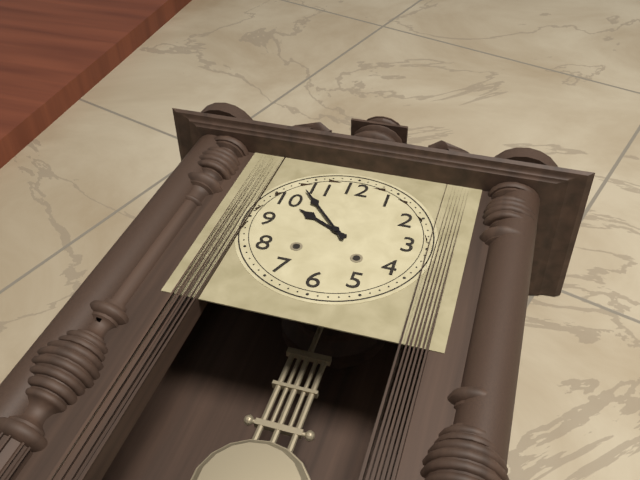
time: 9:53
